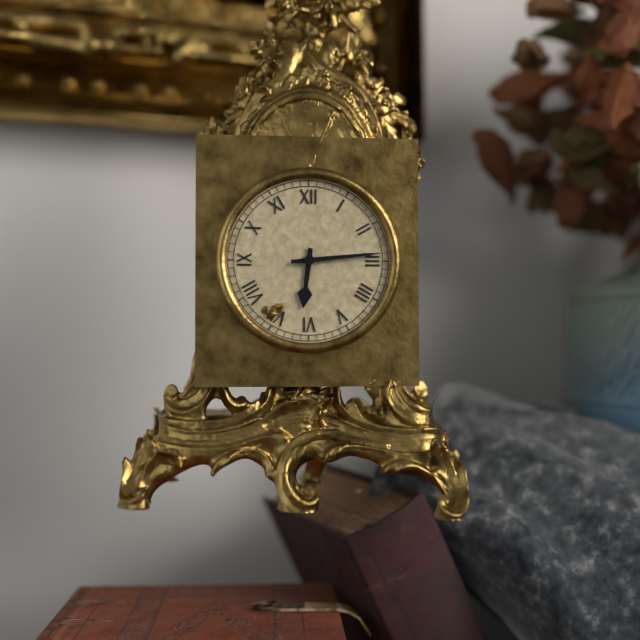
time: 6:14
